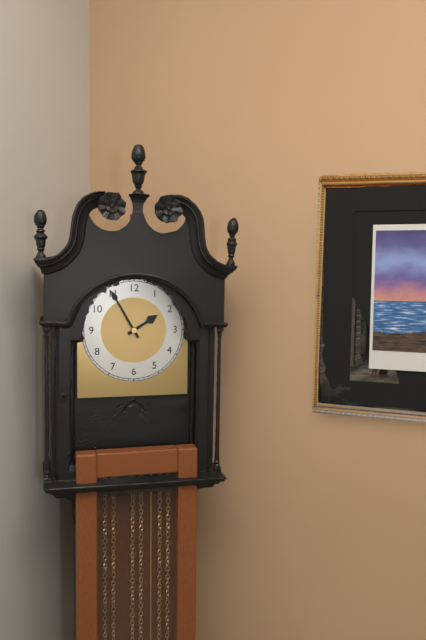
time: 1:55
